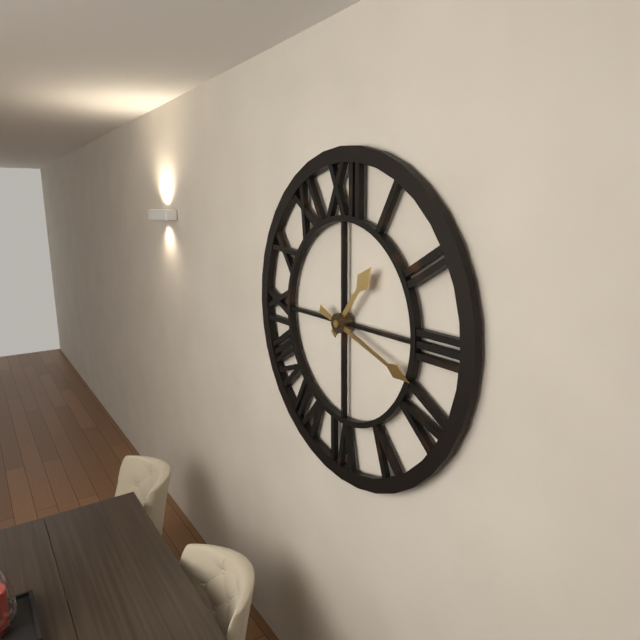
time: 1:18
